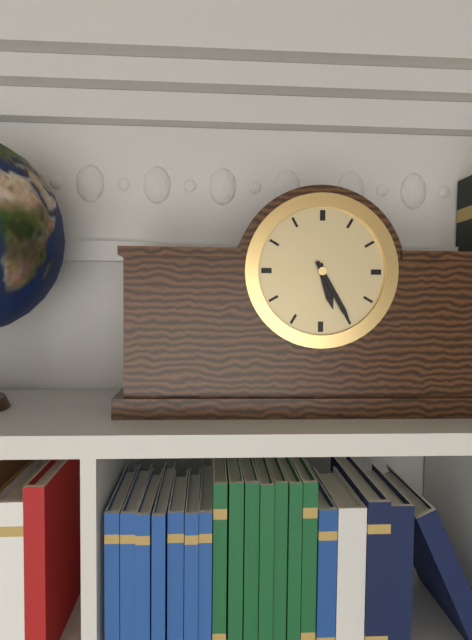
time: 5:25
